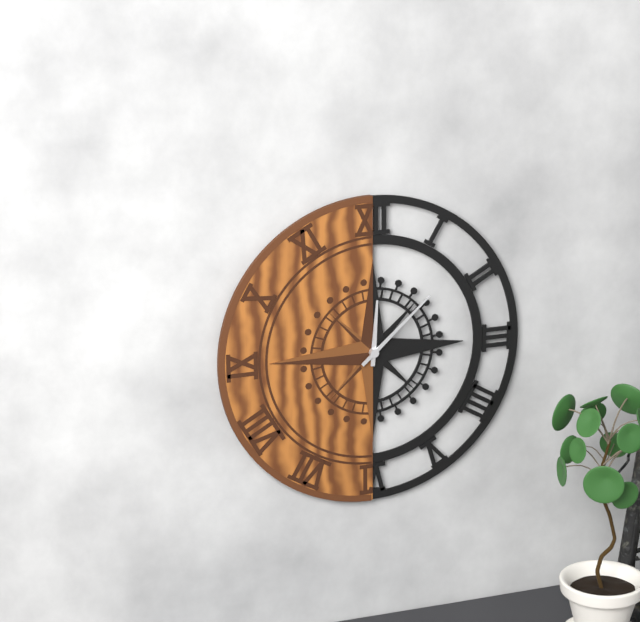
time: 12:08
